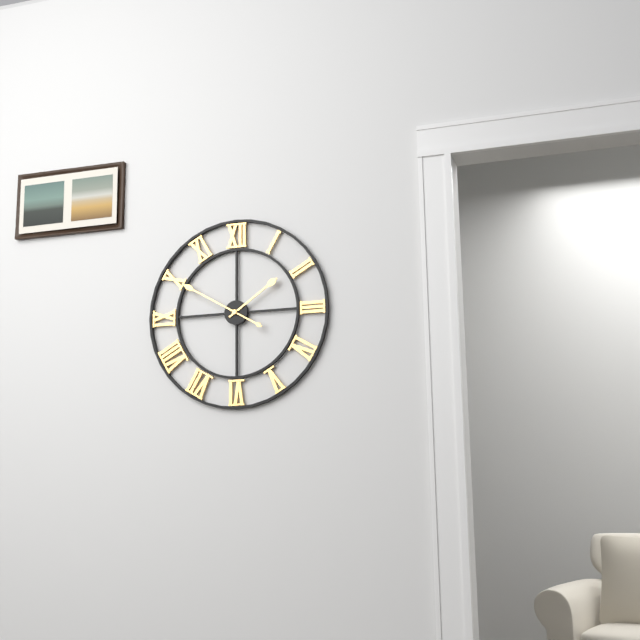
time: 1:50
